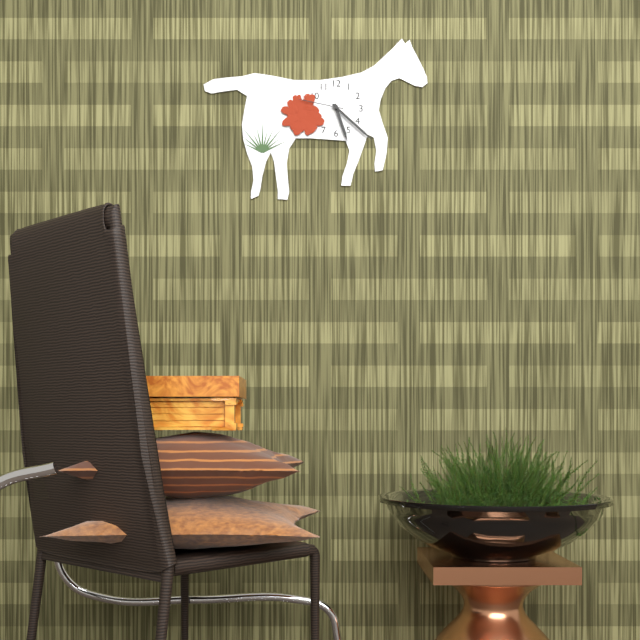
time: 5:22
